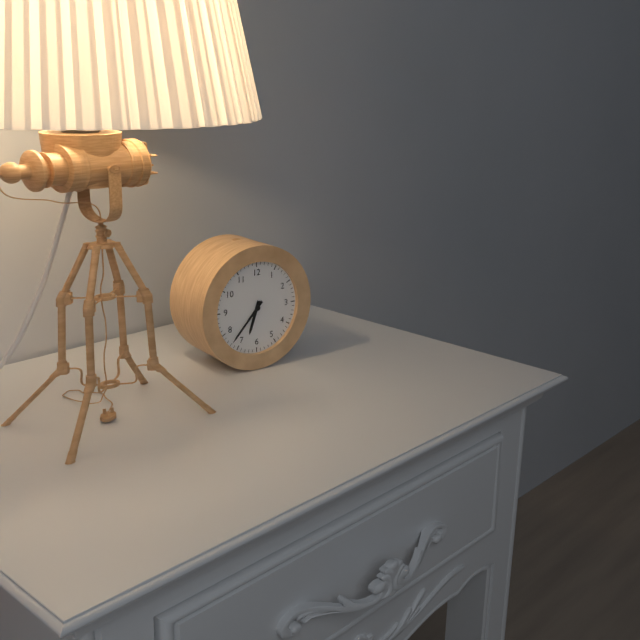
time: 6:37
